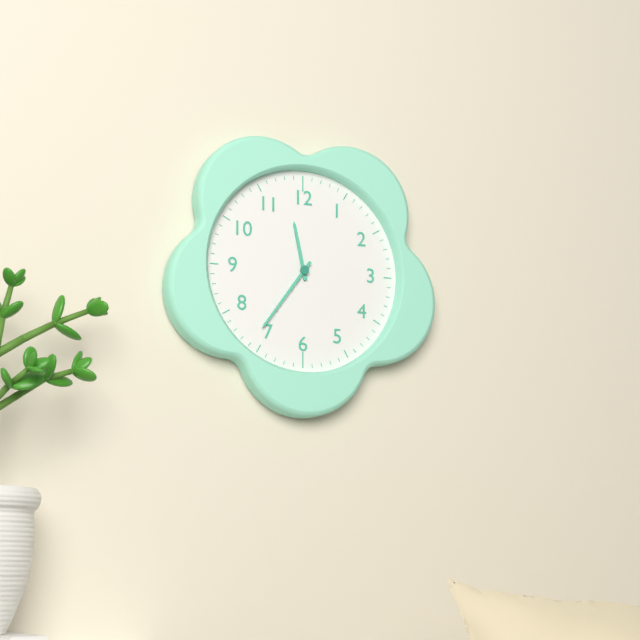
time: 11:36
